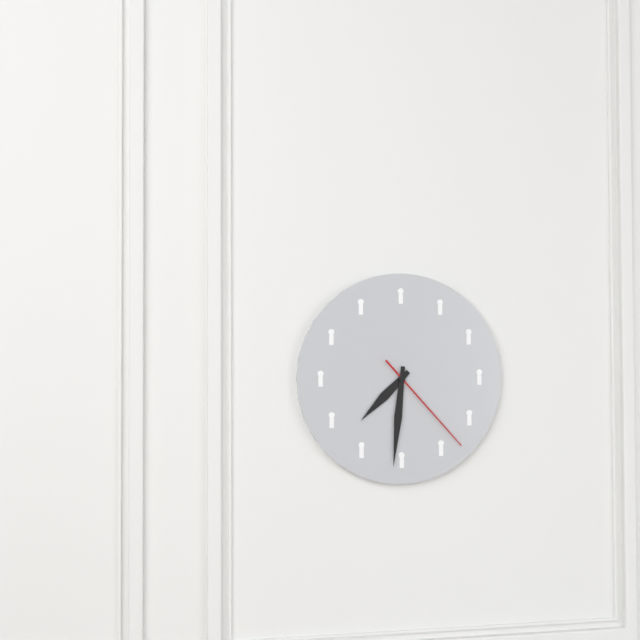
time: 7:31:23
